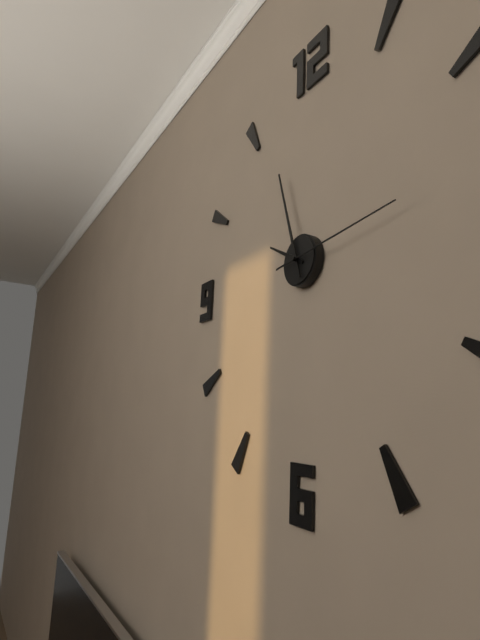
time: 9:57:14
